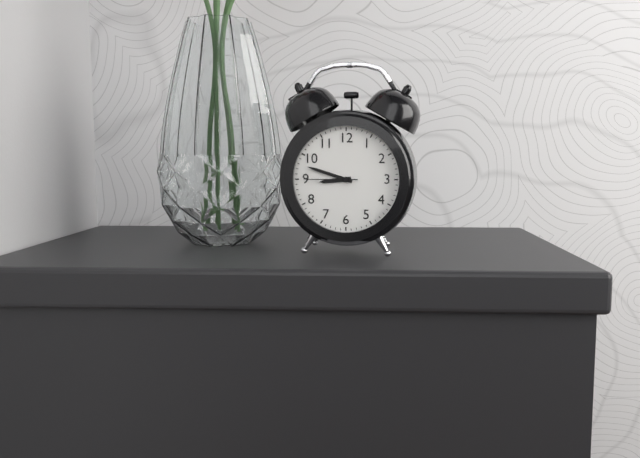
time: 8:48:45
